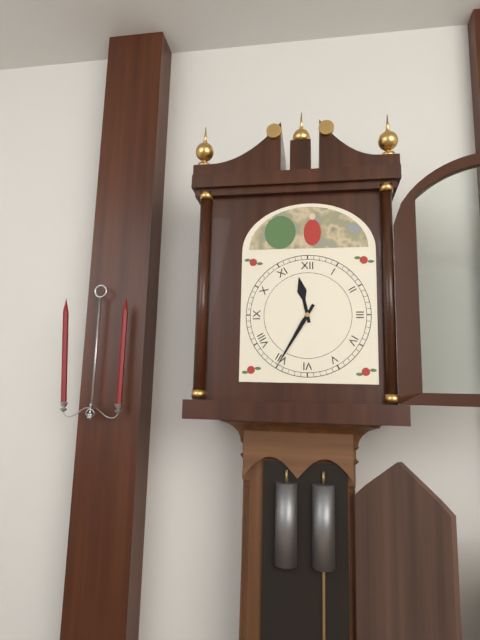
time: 11:35
